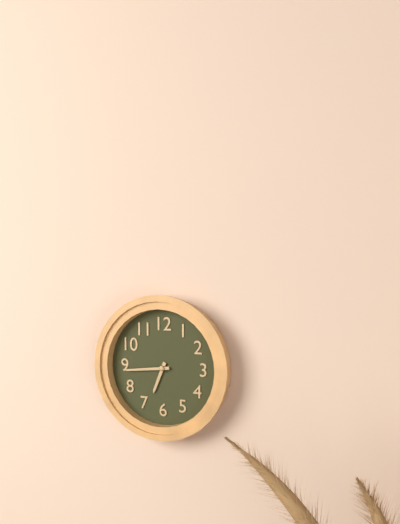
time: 6:44
